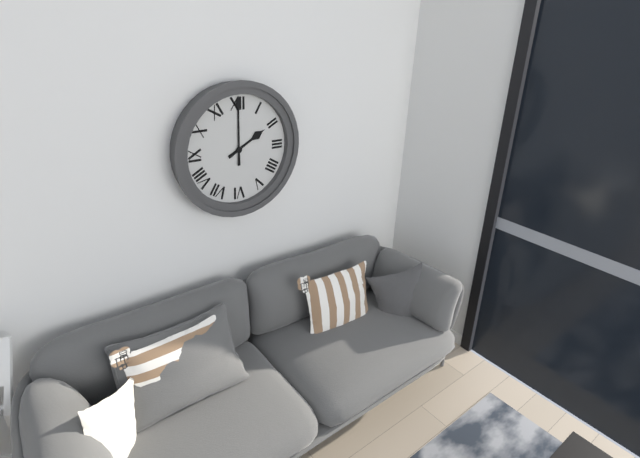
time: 2:00
